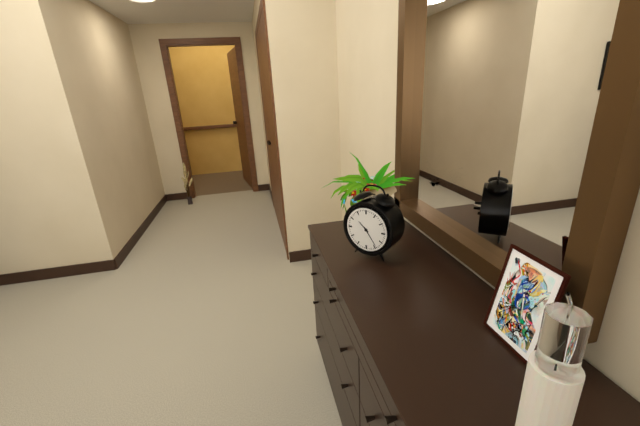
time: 10:24
